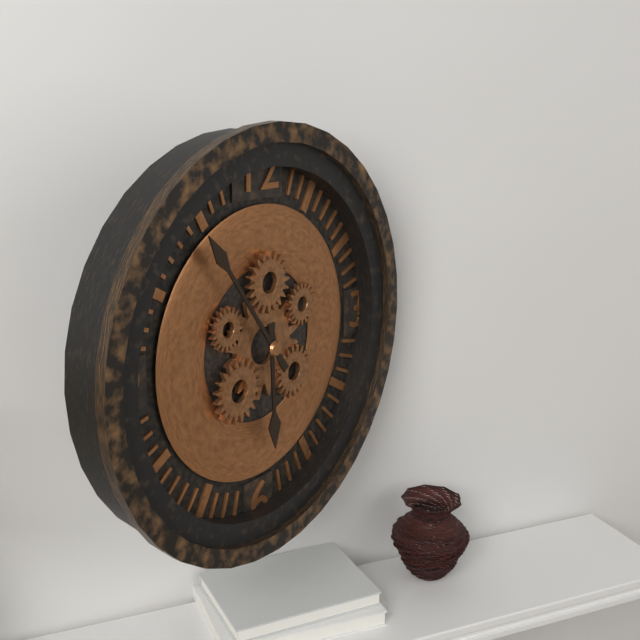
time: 5:54
